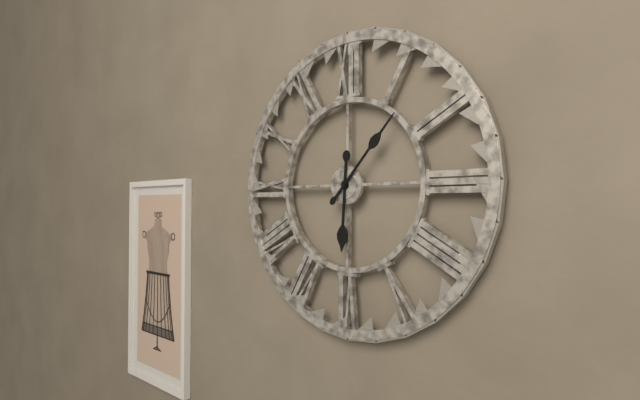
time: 6:07
